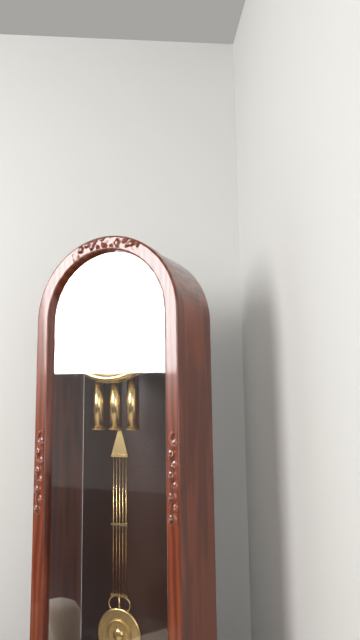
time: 3:04
